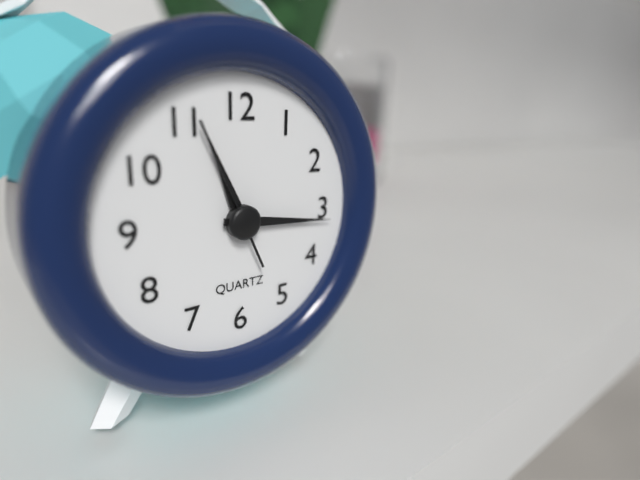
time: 11:16:56
